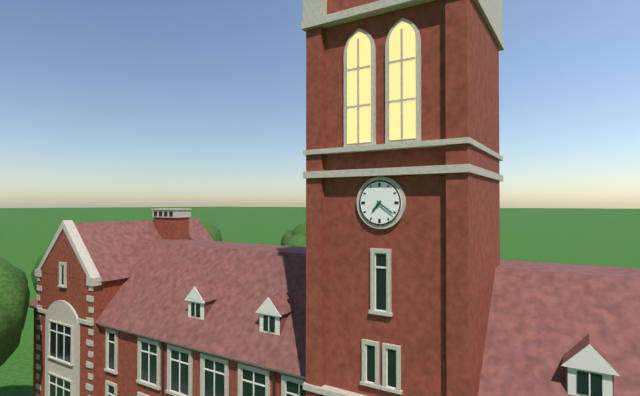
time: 7:21
